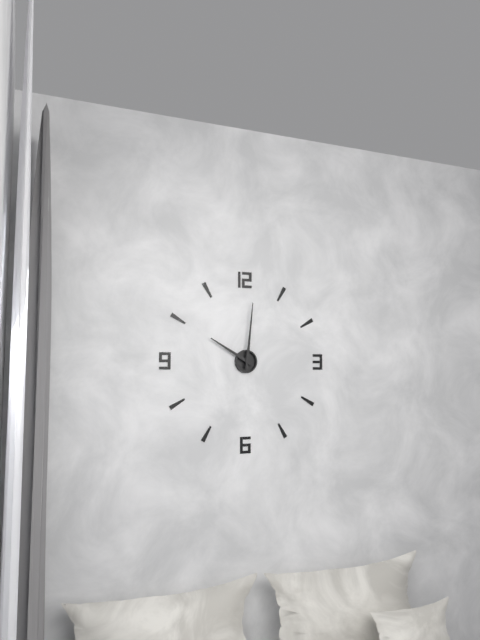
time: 10:01
